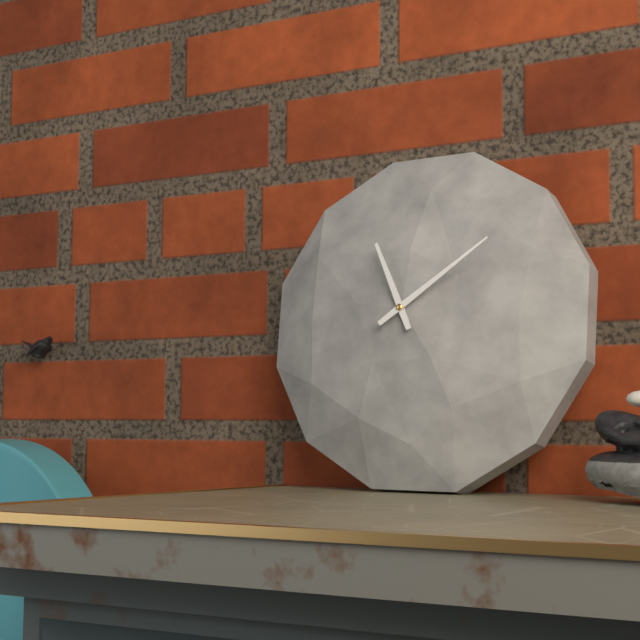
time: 11:09
